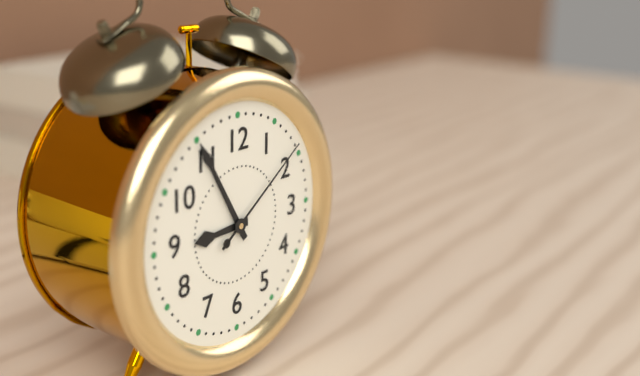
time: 8:55:09
